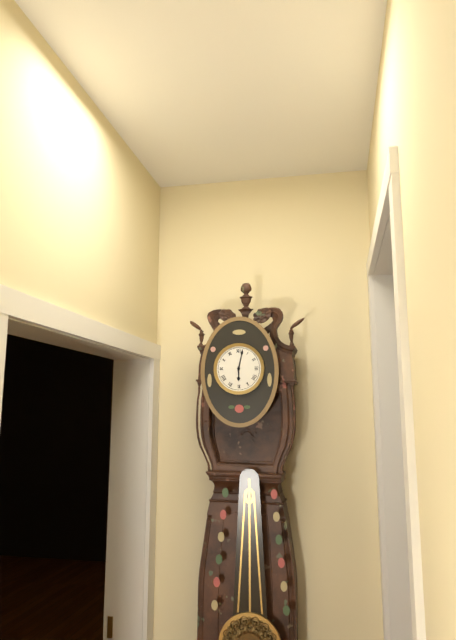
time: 6:02
